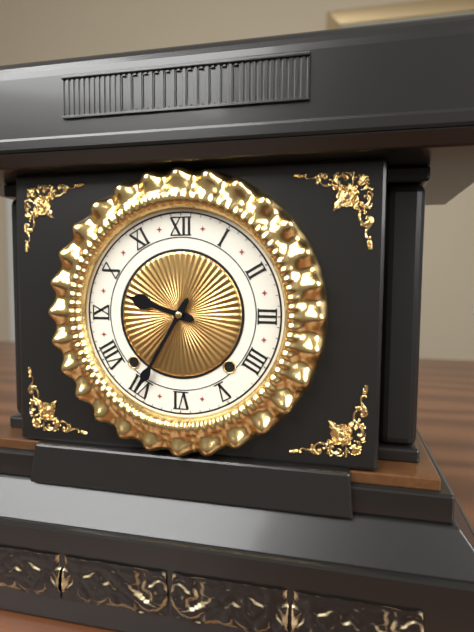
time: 9:35
